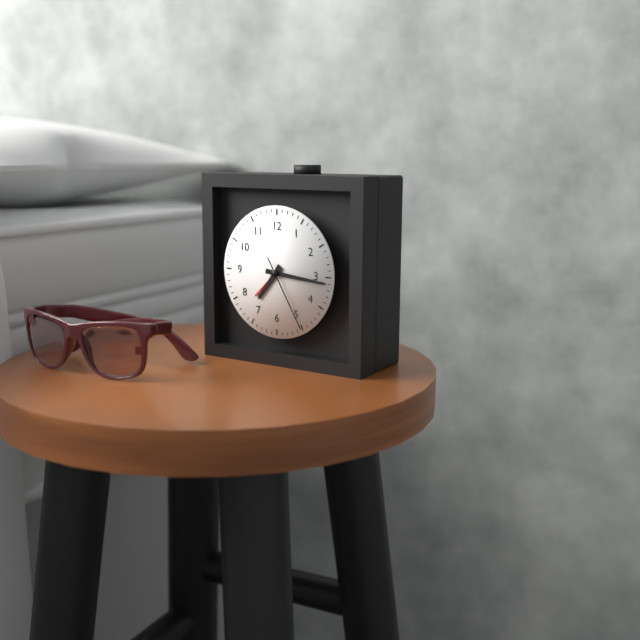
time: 7:16:25
